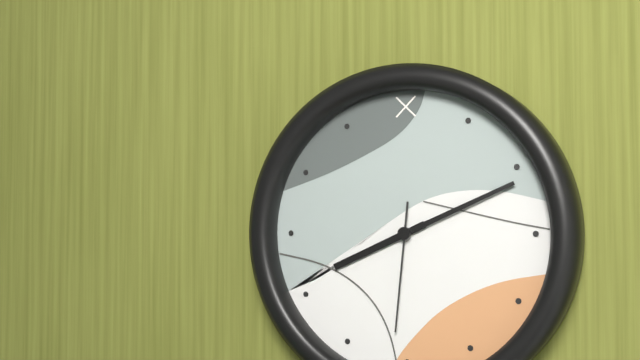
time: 8:11:31
